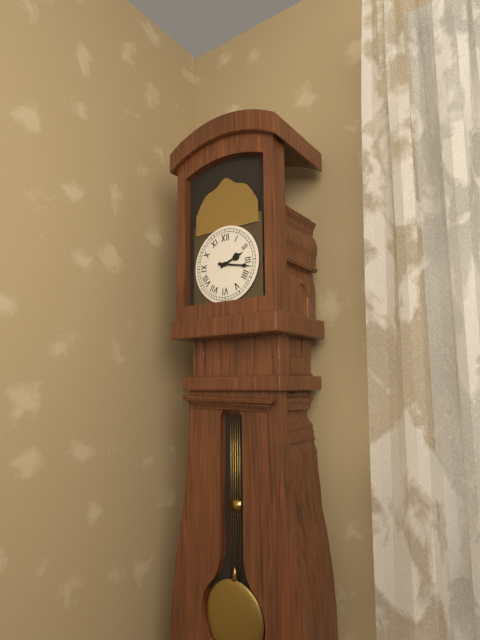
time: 2:17
